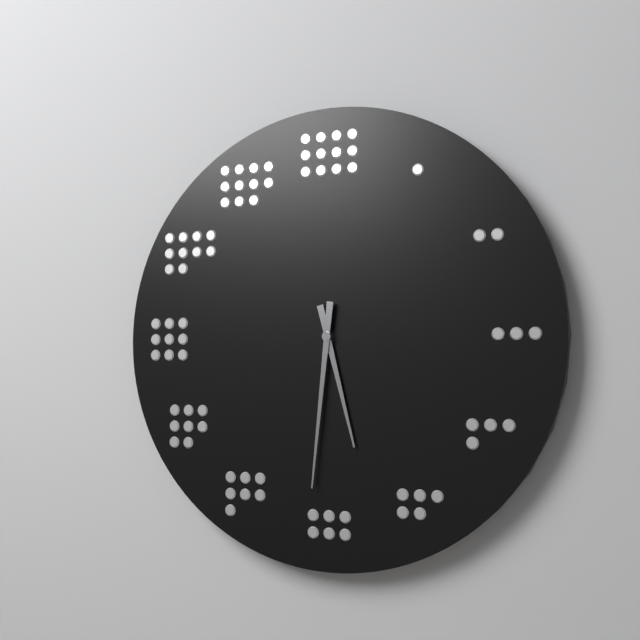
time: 5:31
